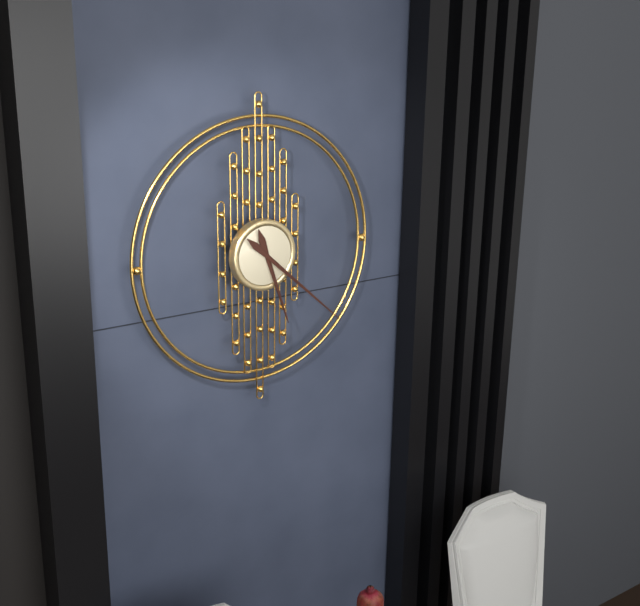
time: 5:22
